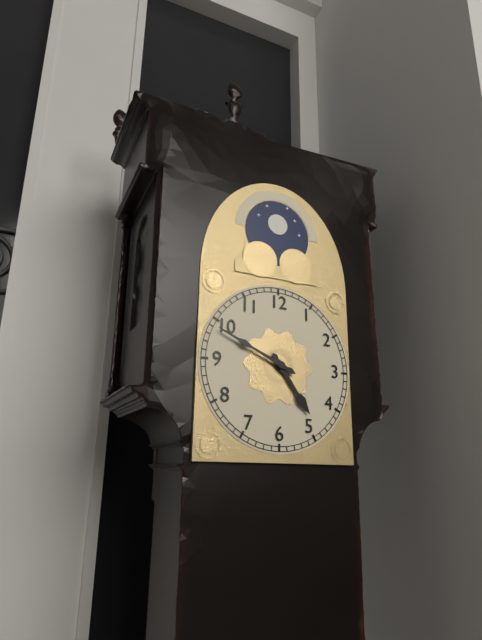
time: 4:49
